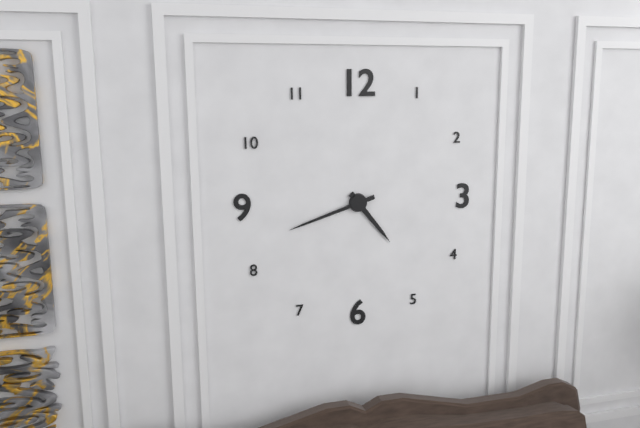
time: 4:42
